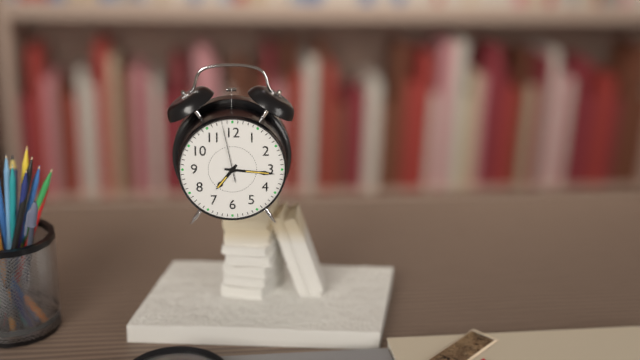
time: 7:16:58
